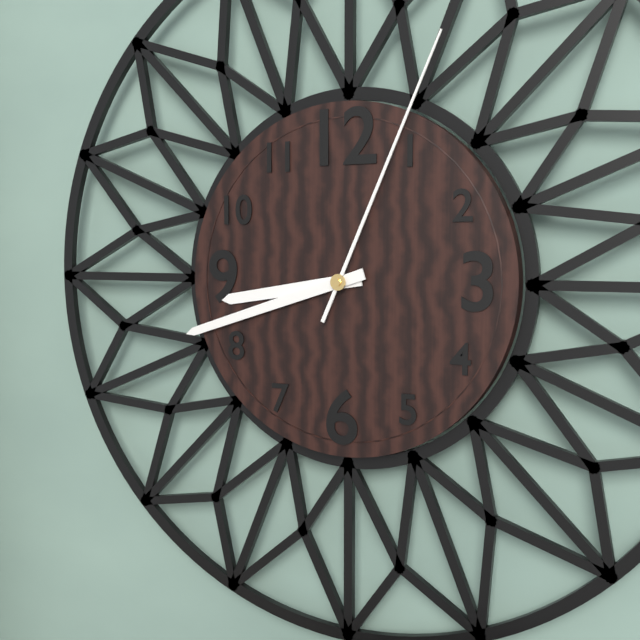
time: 8:42:04
